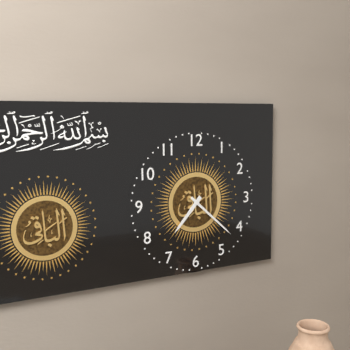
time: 7:22
